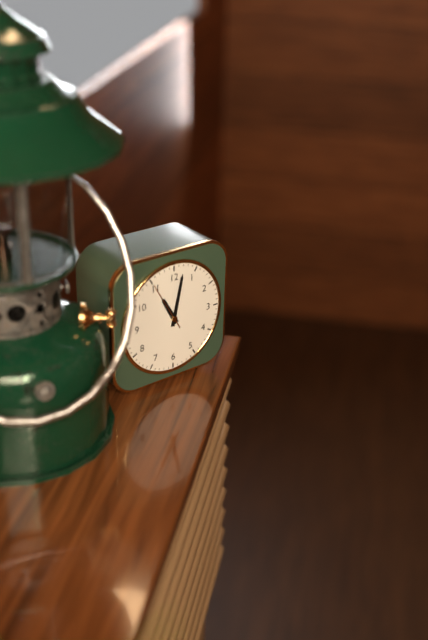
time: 11:02
